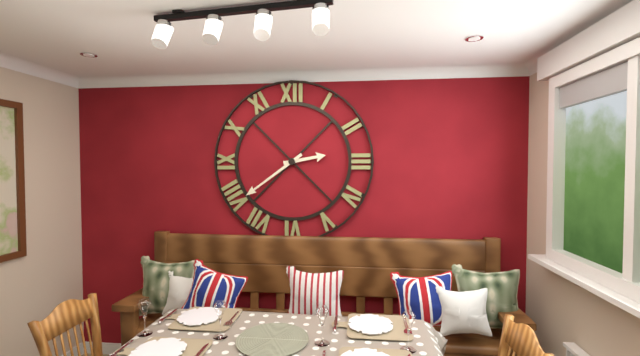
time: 2:39
